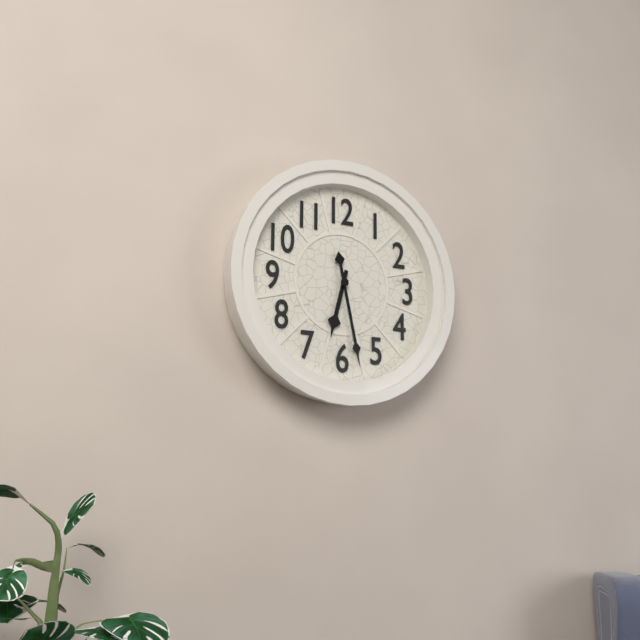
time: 6:28
